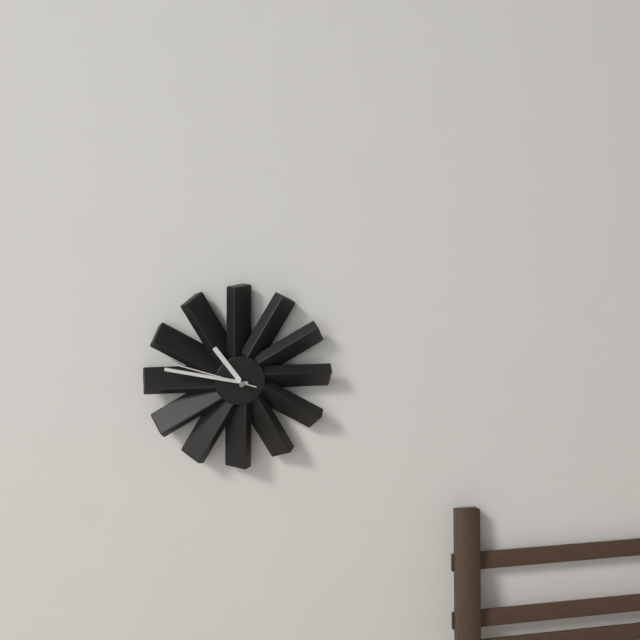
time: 10:47:48
